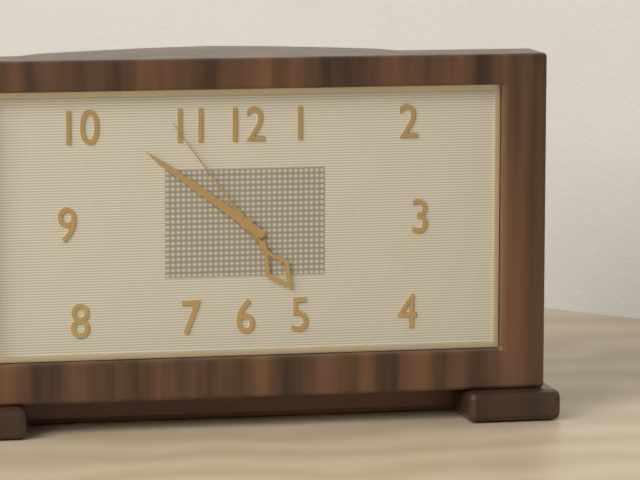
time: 4:51:54
